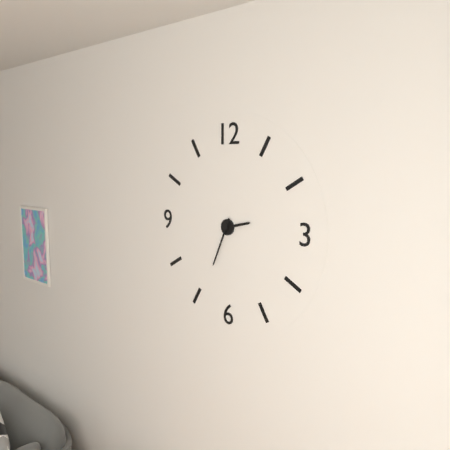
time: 2:34
